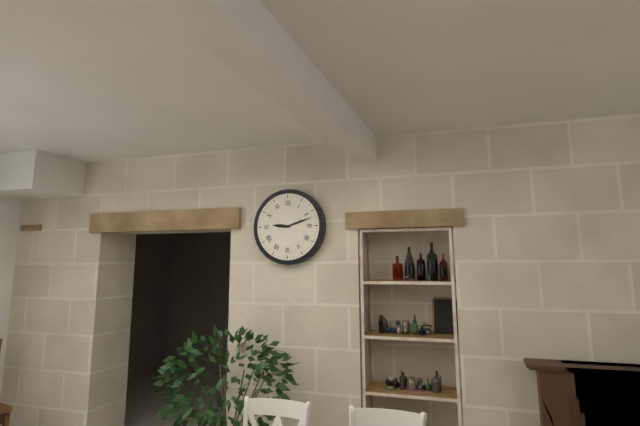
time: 9:12
